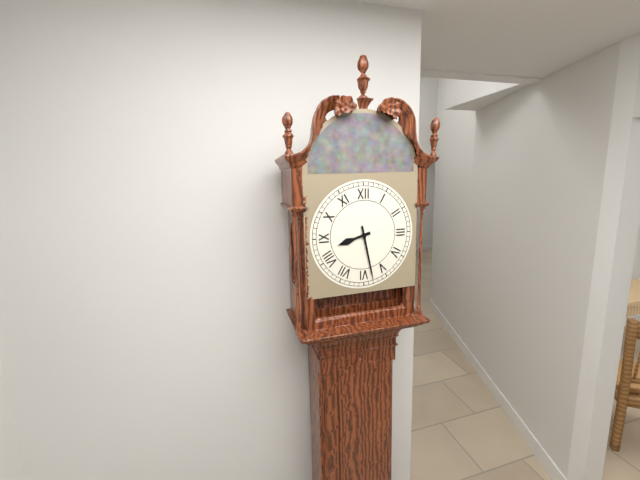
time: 8:28
